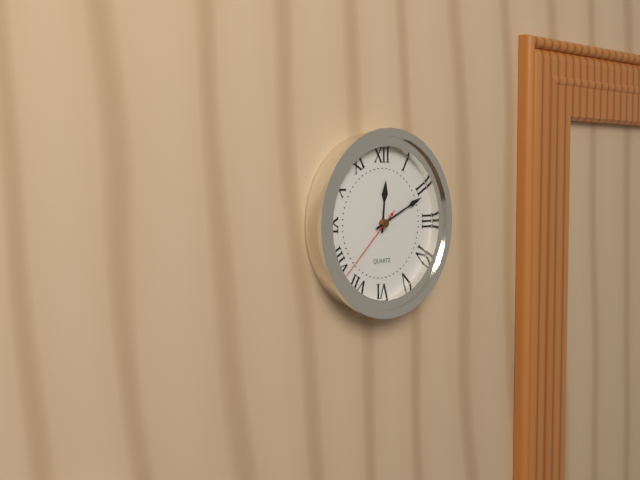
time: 12:11:38
